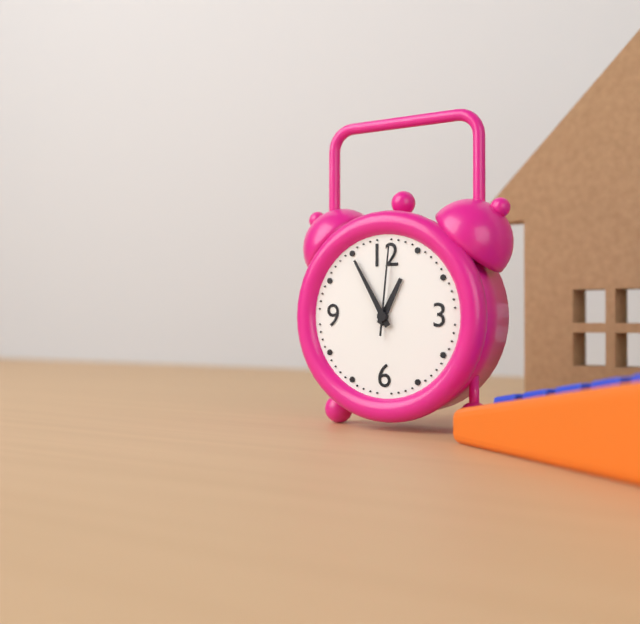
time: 12:55:01
